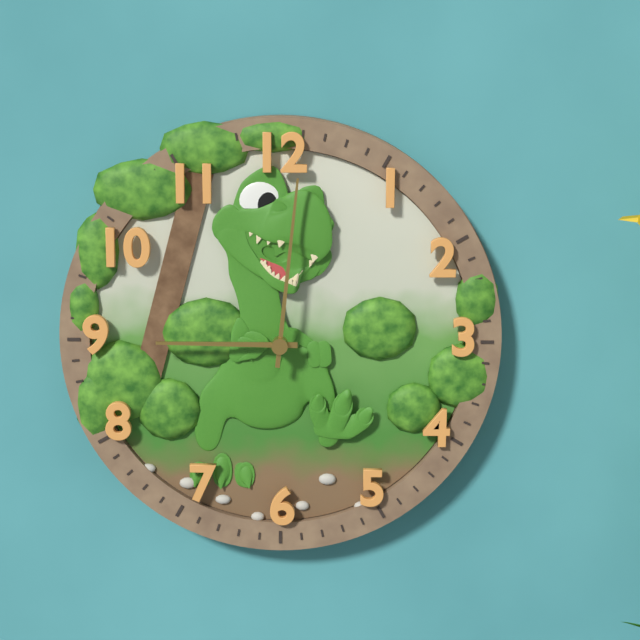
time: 9:01
